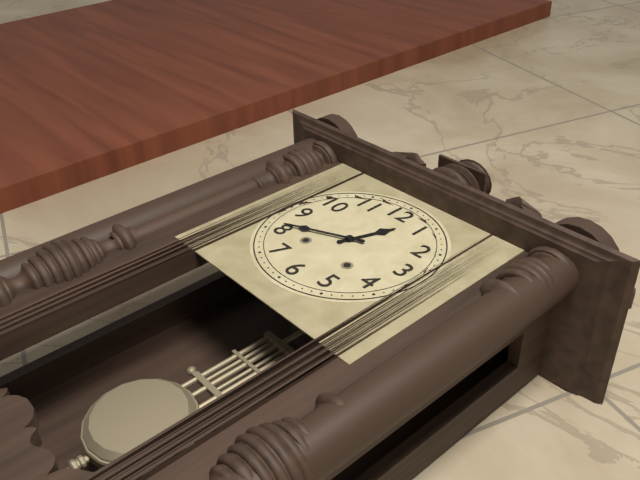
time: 12:41
